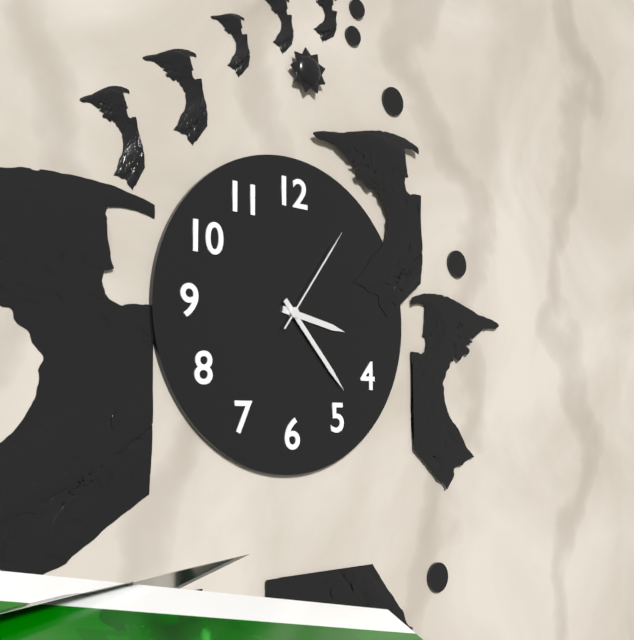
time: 3:23:06
